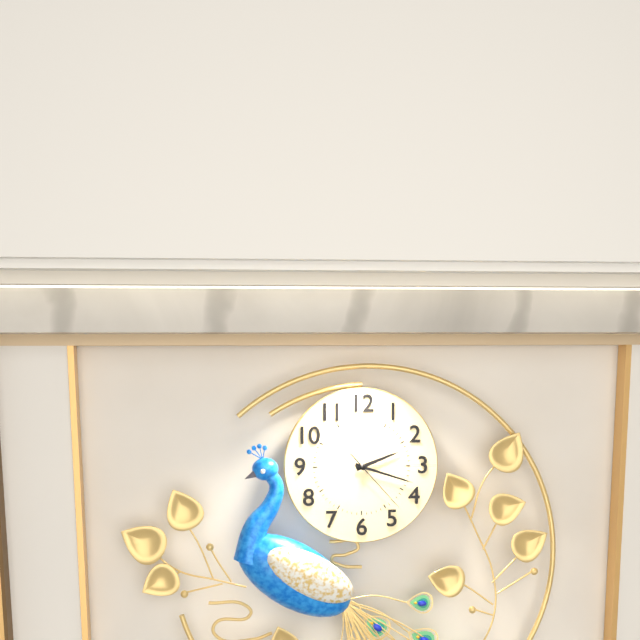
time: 2:18:23
